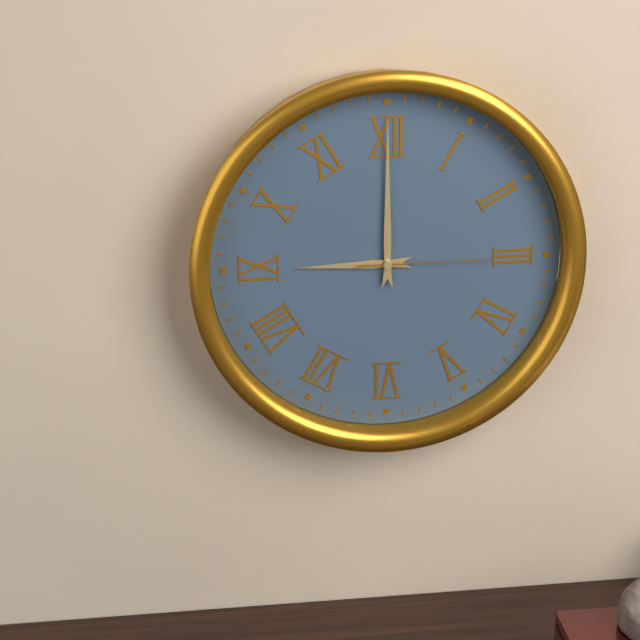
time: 9:00:15
